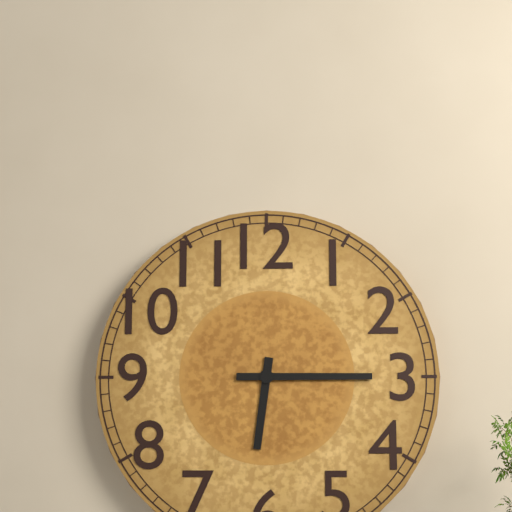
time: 6:15
